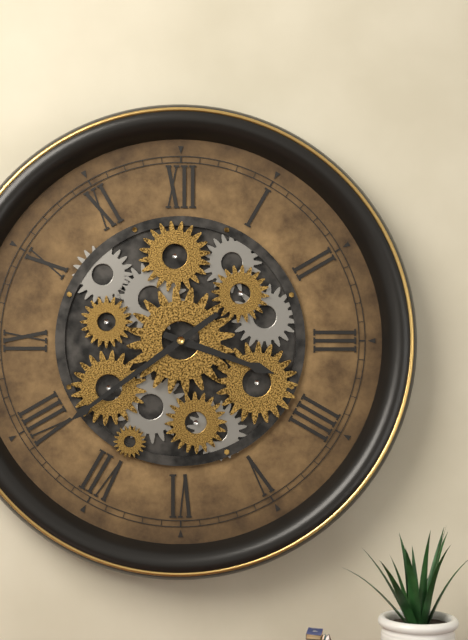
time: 3:39
